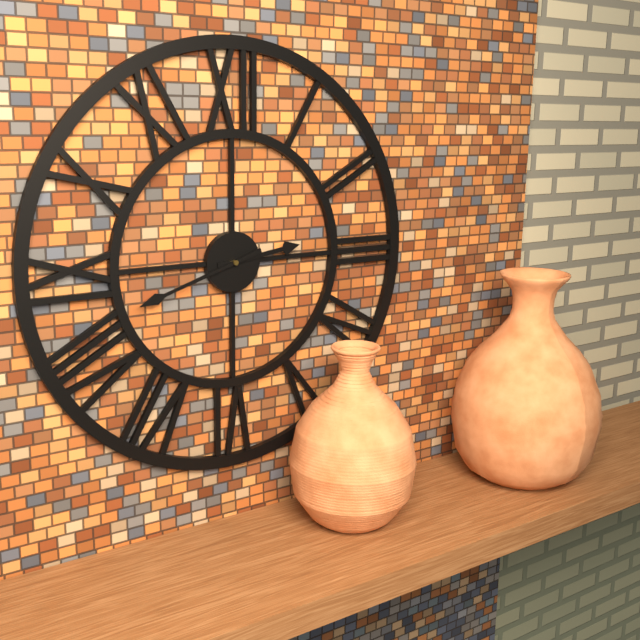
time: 2:42
